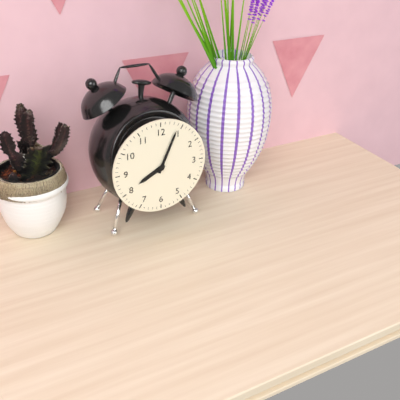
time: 8:04
